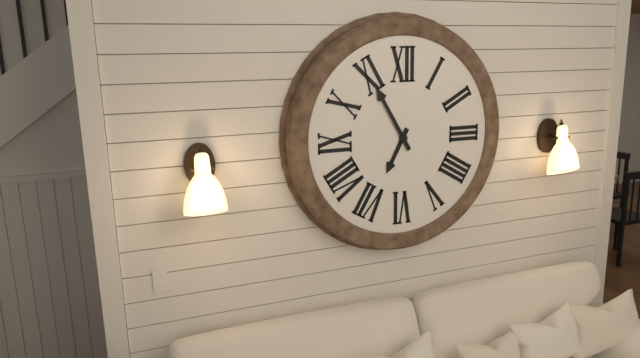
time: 6:55
